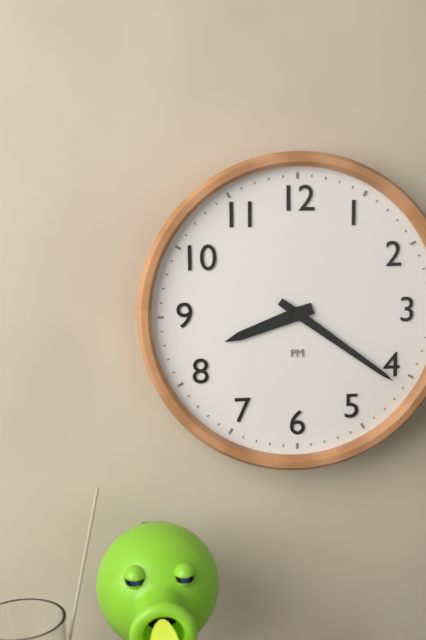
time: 8:21
